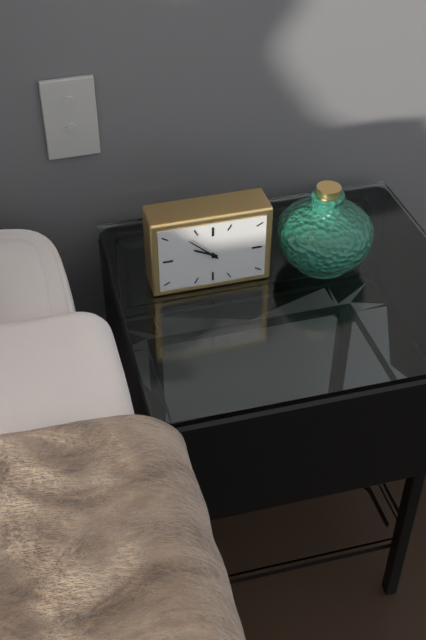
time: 9:52
